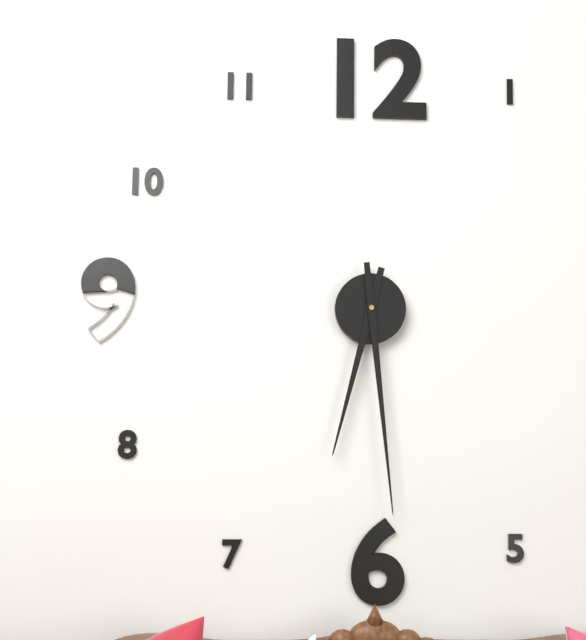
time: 6:29
